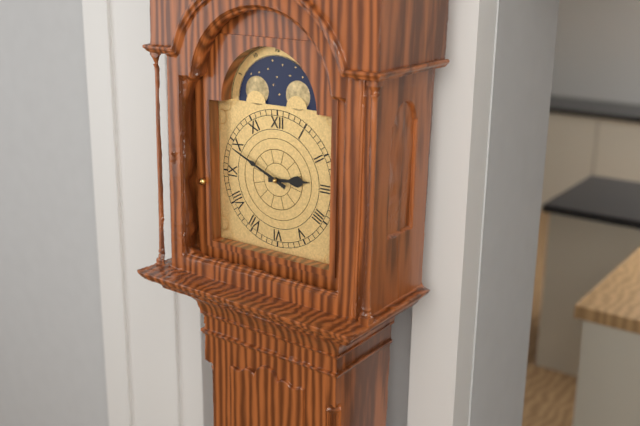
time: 2:49
